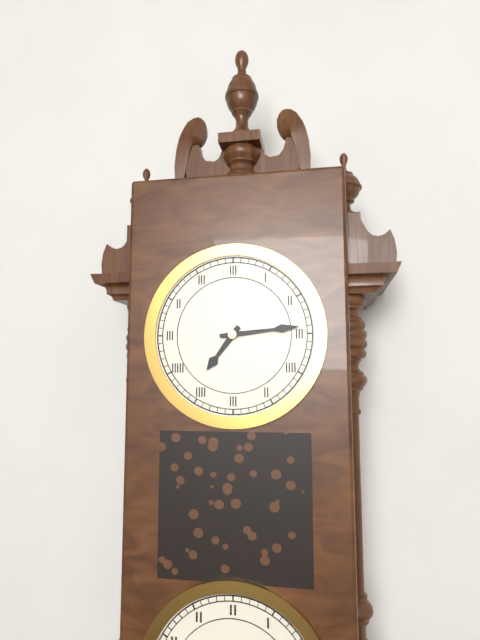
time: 7:14
